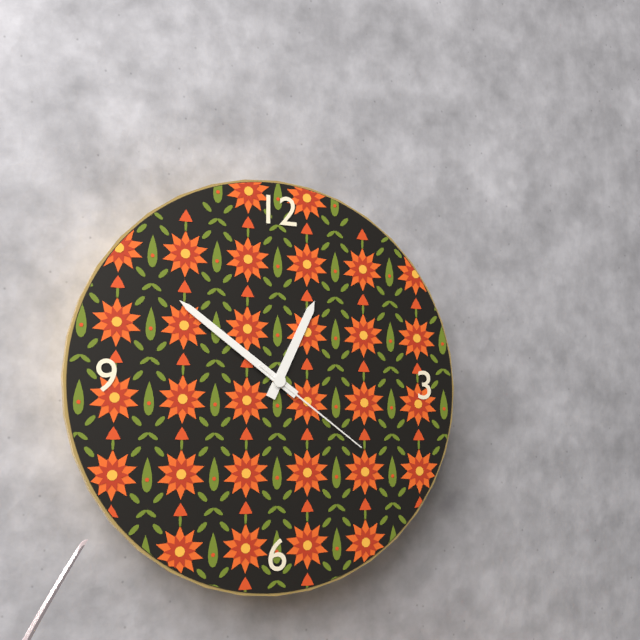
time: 12:51:21
